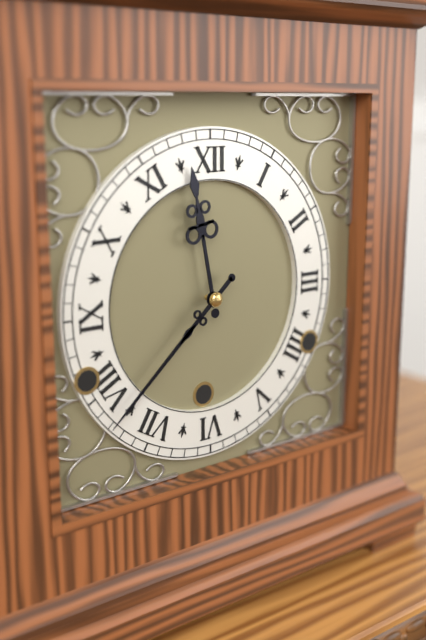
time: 11:38
